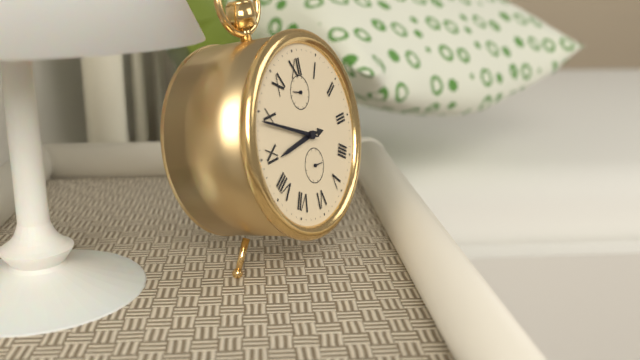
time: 8:49
